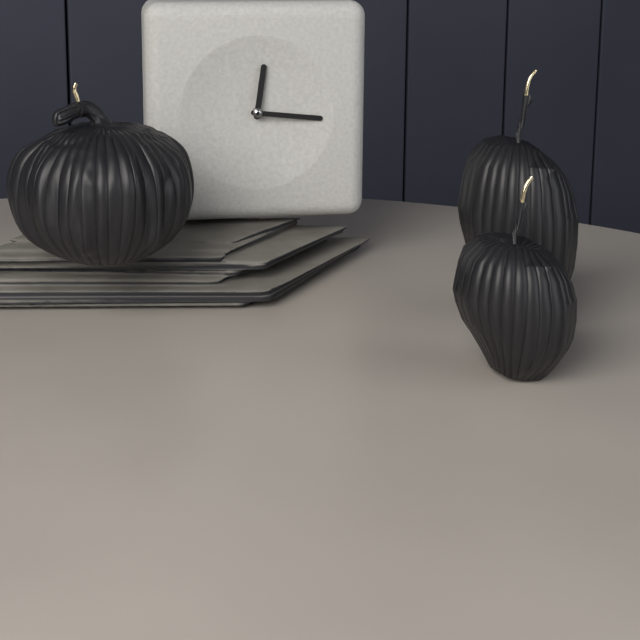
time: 12:16
